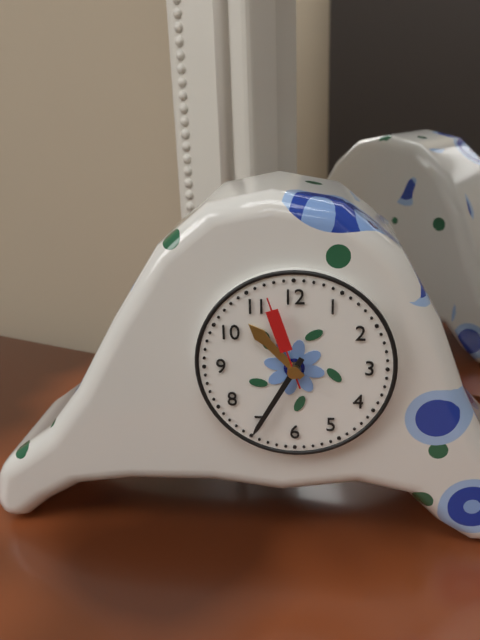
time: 10:35:57
